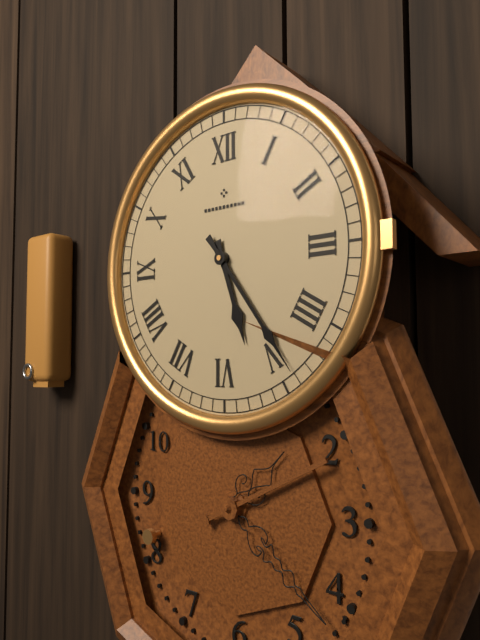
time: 5:24
